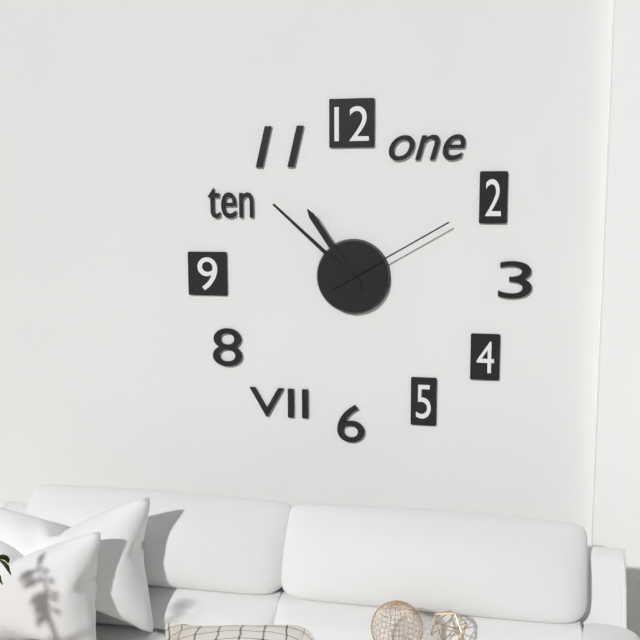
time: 10:52:10
